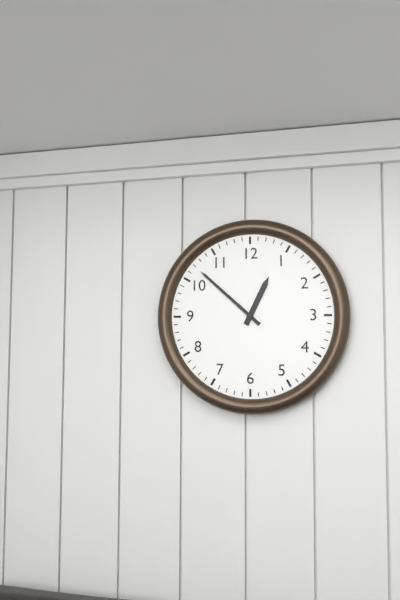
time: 12:52
